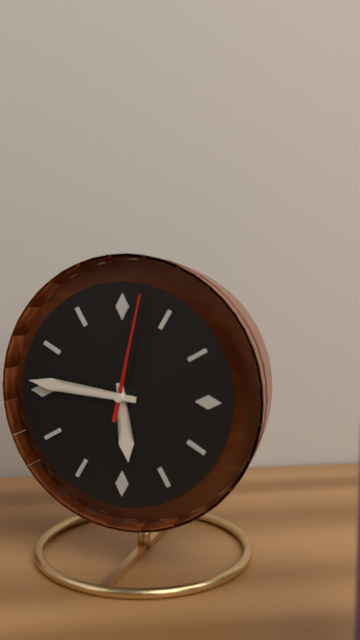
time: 5:46:02
